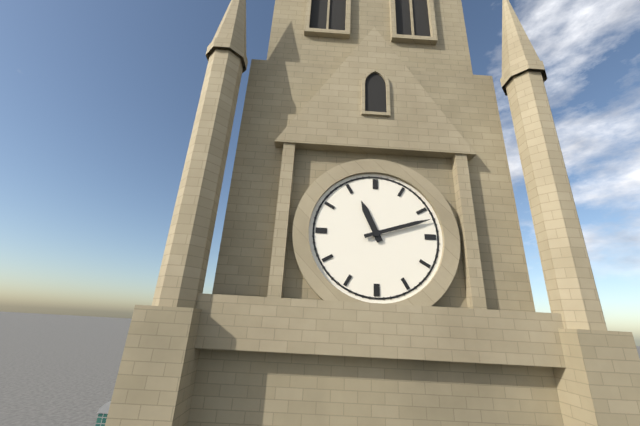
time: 11:12
